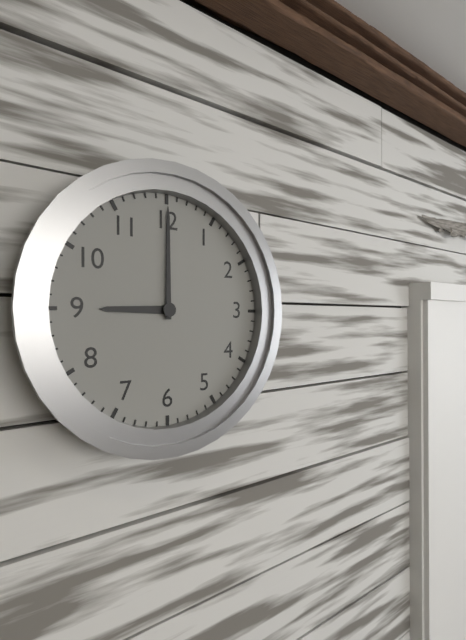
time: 9:00
